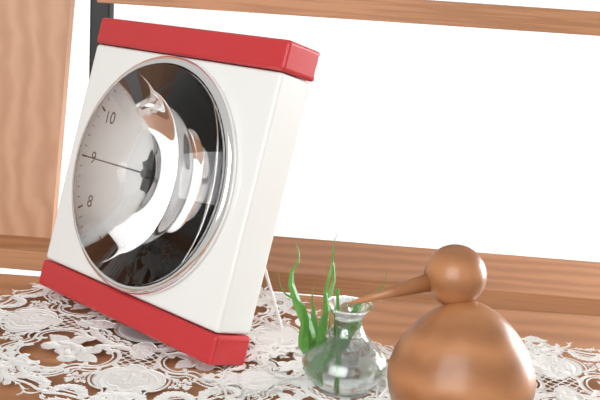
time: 5:00:45
